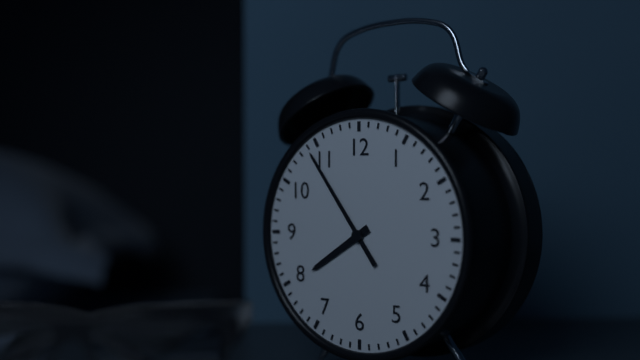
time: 7:54
